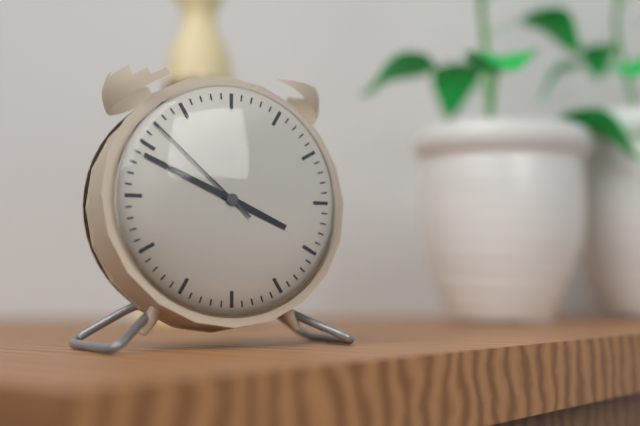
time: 3:49:52
